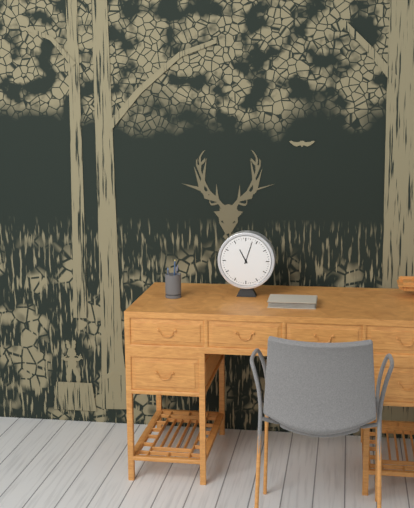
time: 11:03
